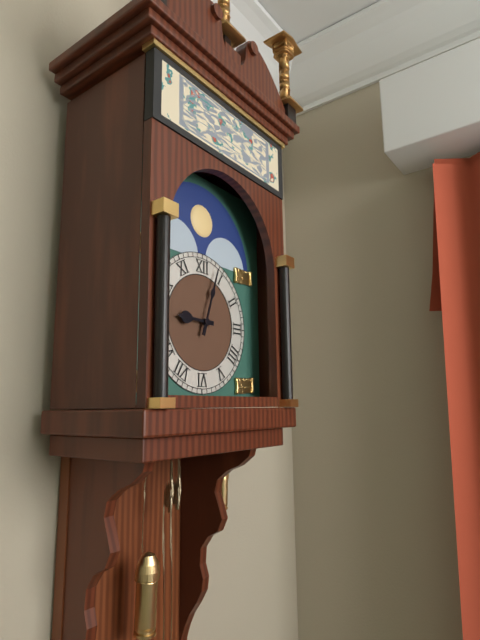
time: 9:03
